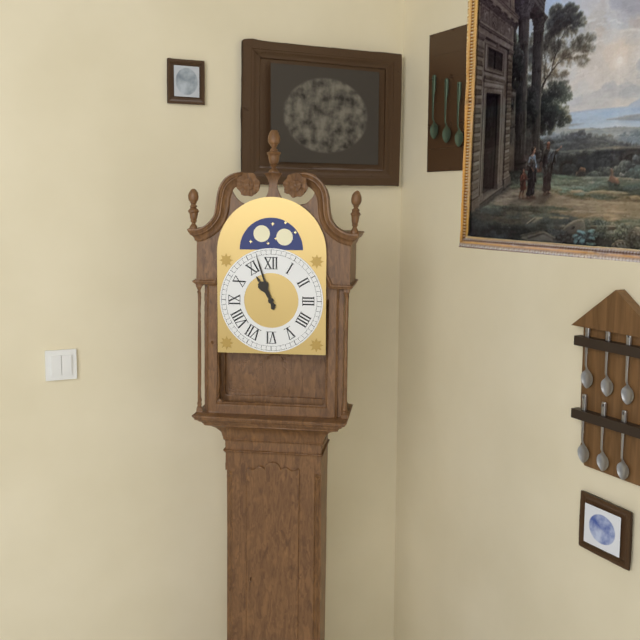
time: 10:57
